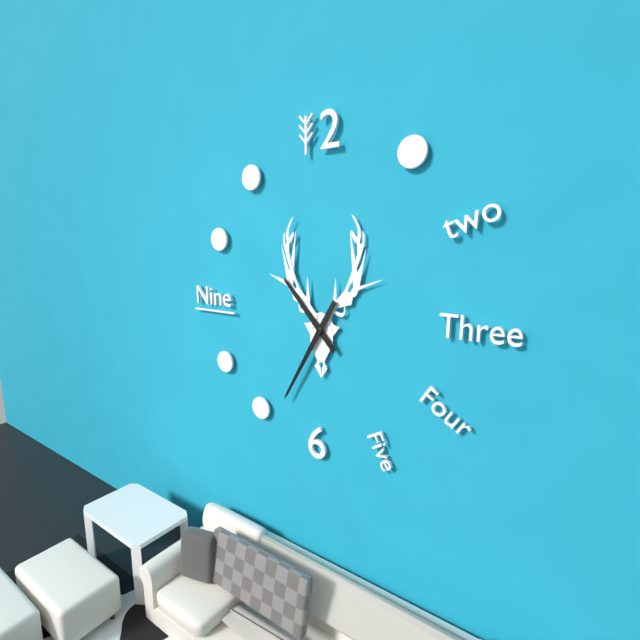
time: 10:35
